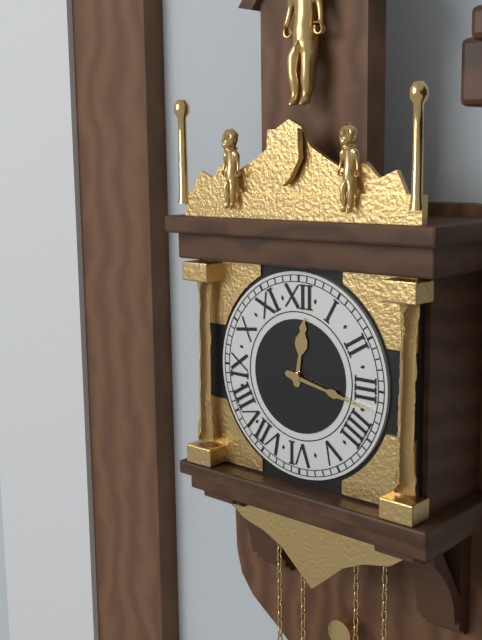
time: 12:17
